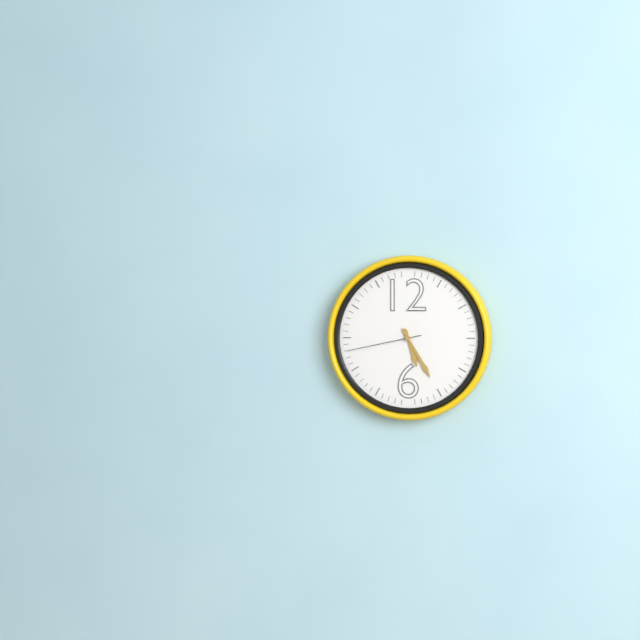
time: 5:25:43
